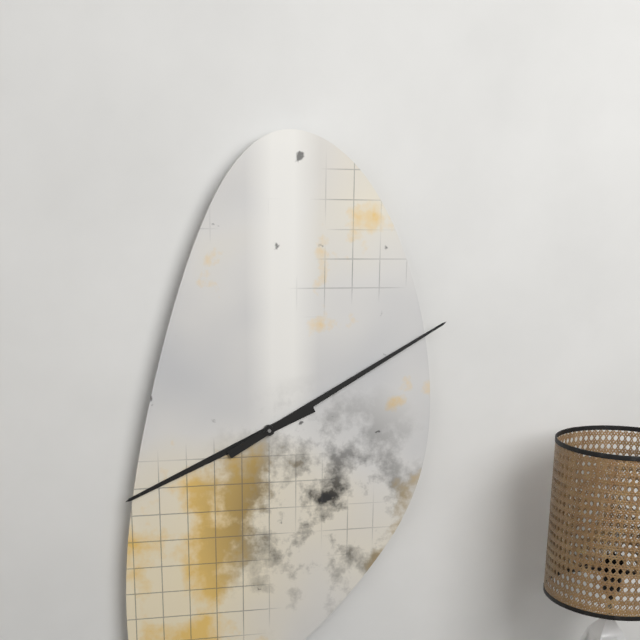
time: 8:10
